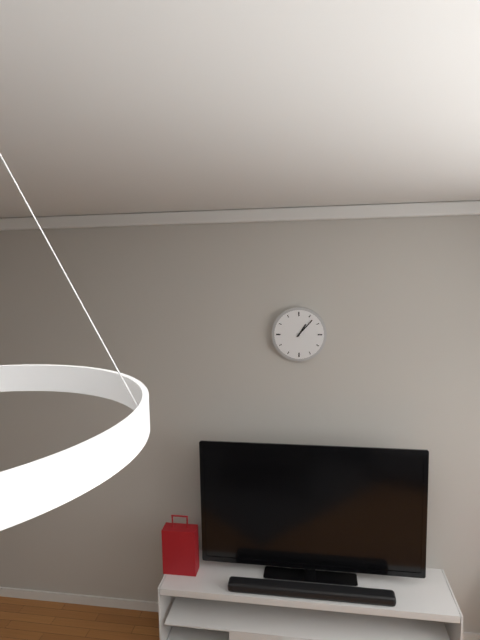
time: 1:07
